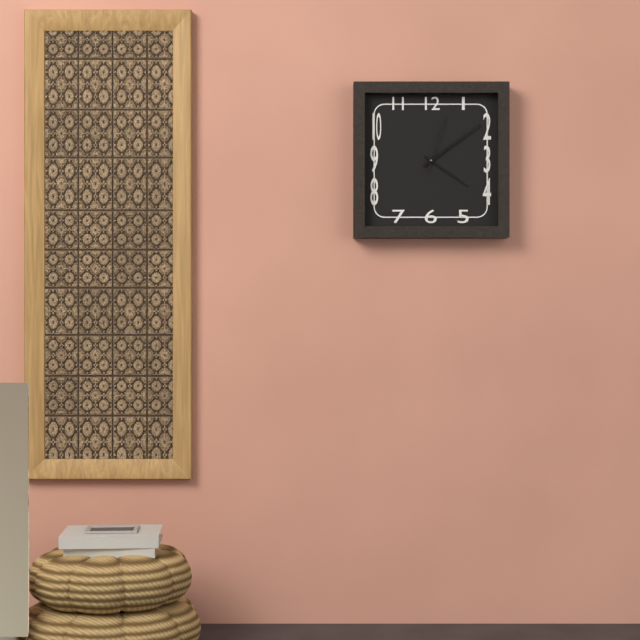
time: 4:09:03
